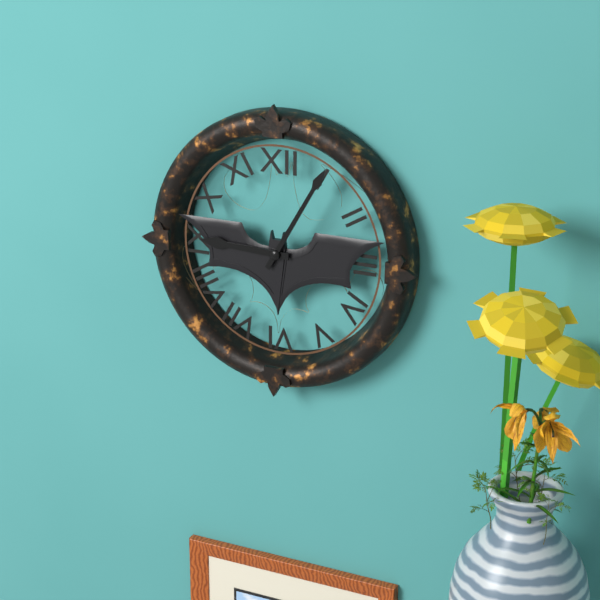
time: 9:05
